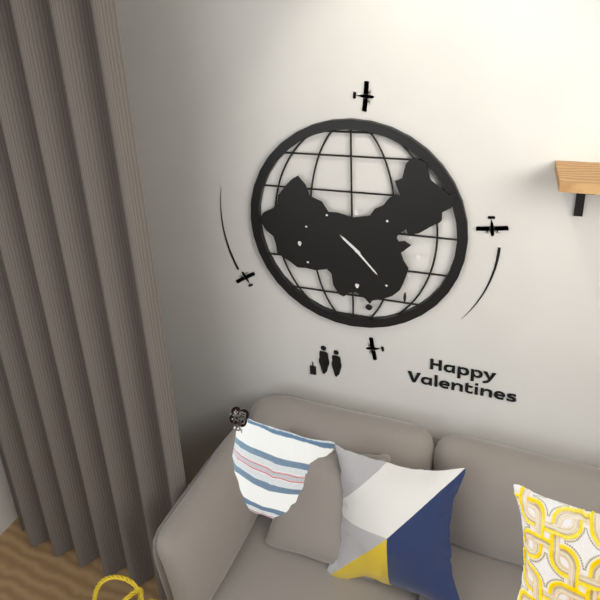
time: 10:23
